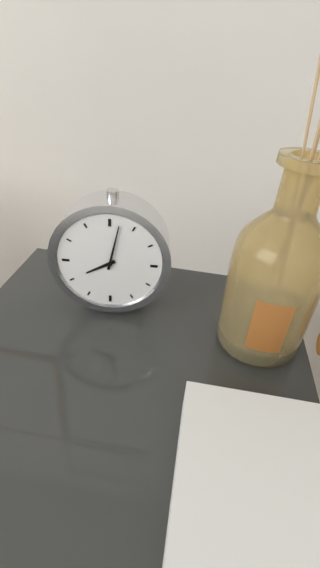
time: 8:02
